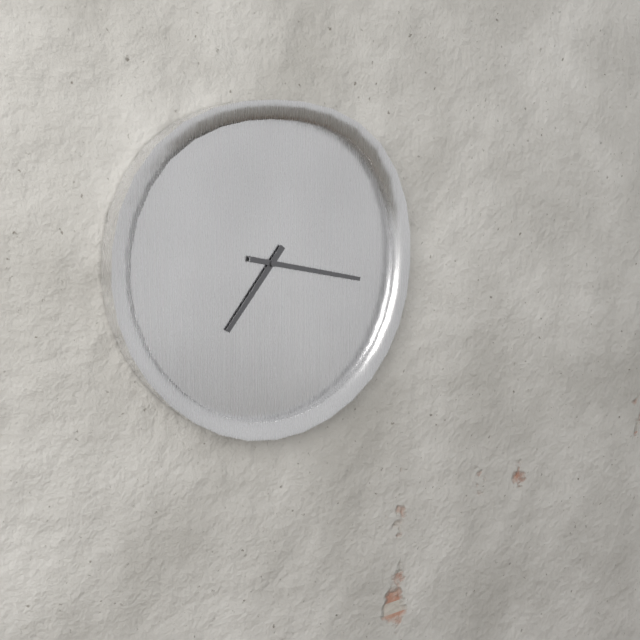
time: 7:17
